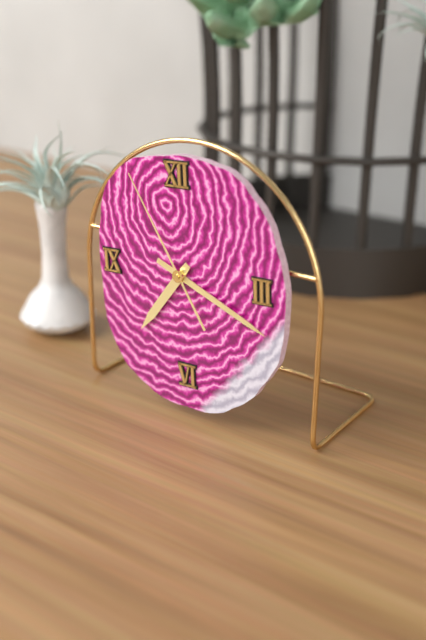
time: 7:19:55
